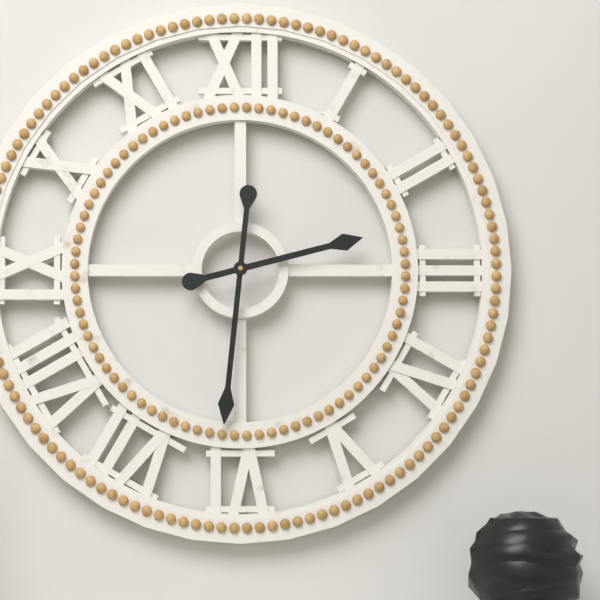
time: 2:31
